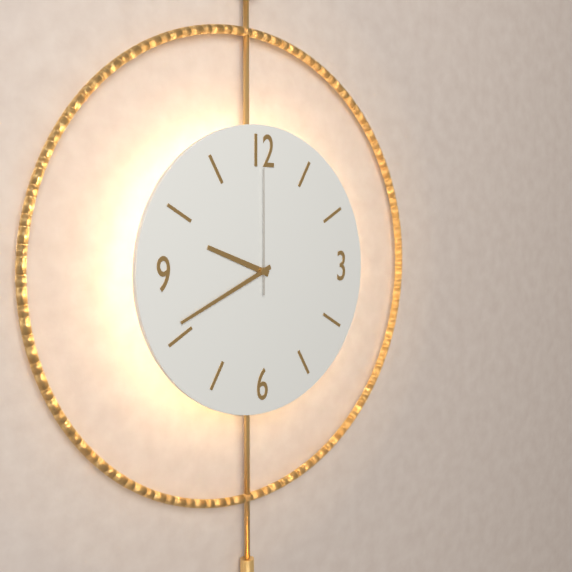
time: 9:41:00
